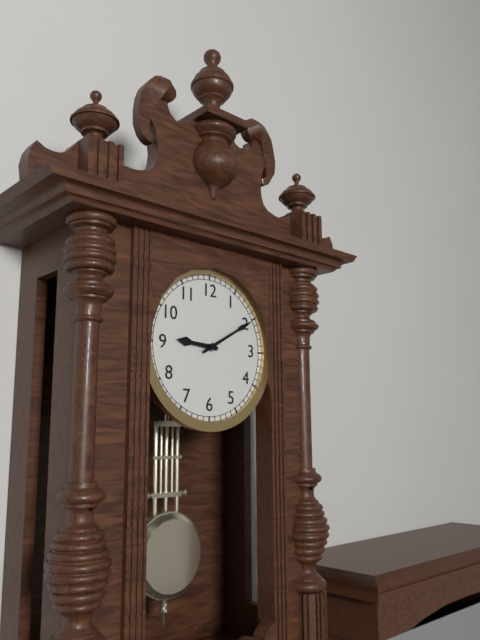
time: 9:10
